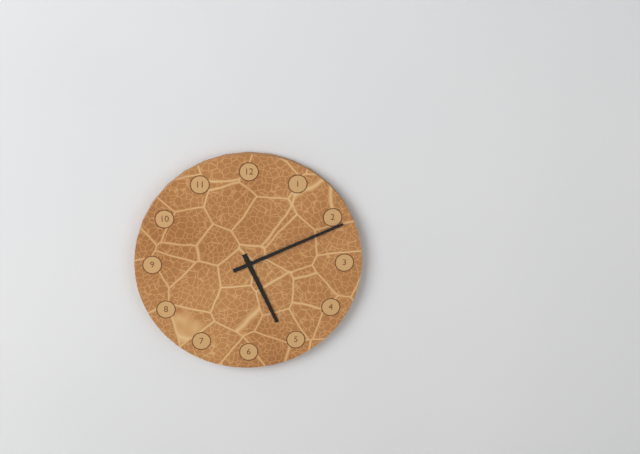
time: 5:11
